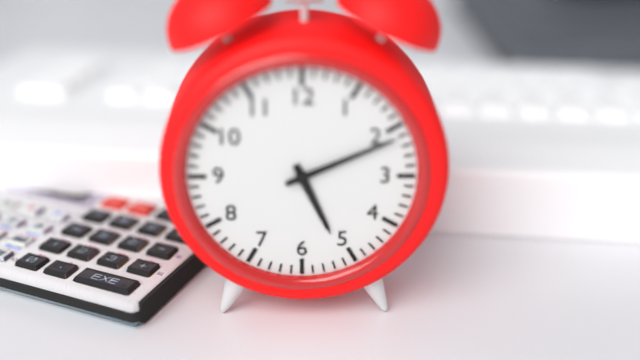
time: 5:11
